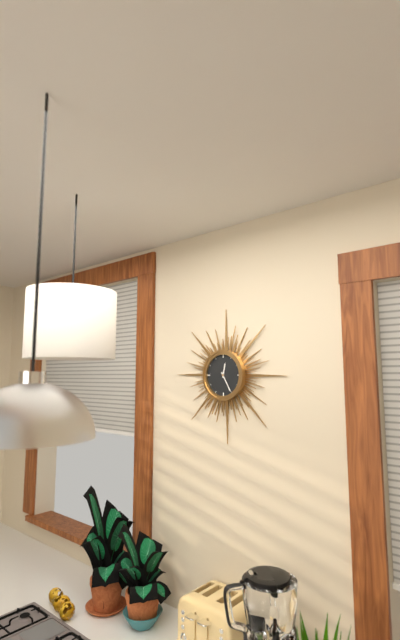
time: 12:25
